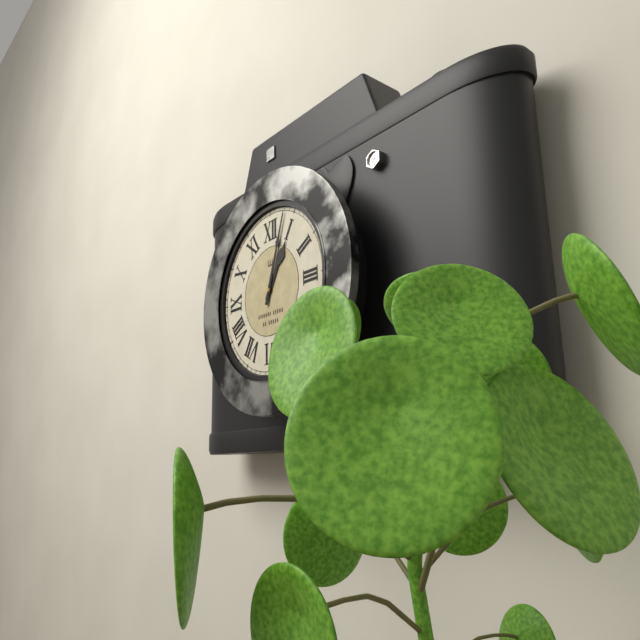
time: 1:03
